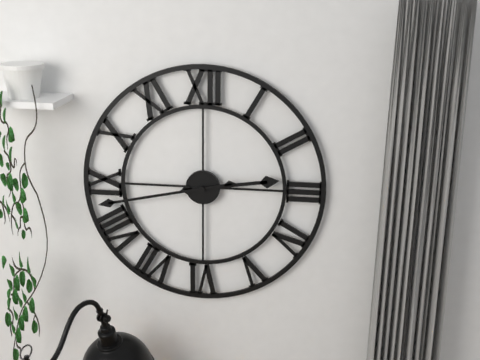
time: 2:43
